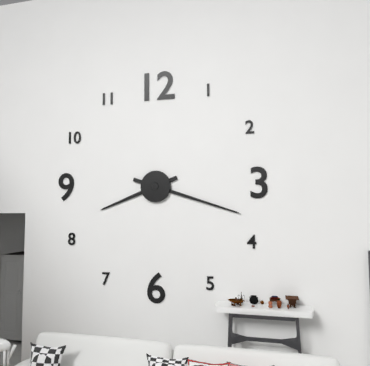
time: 8:18
